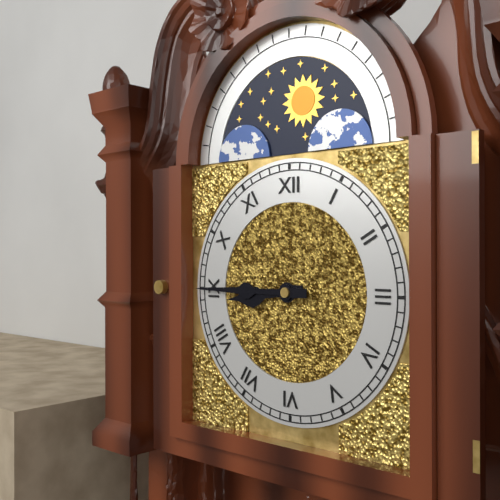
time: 8:45
